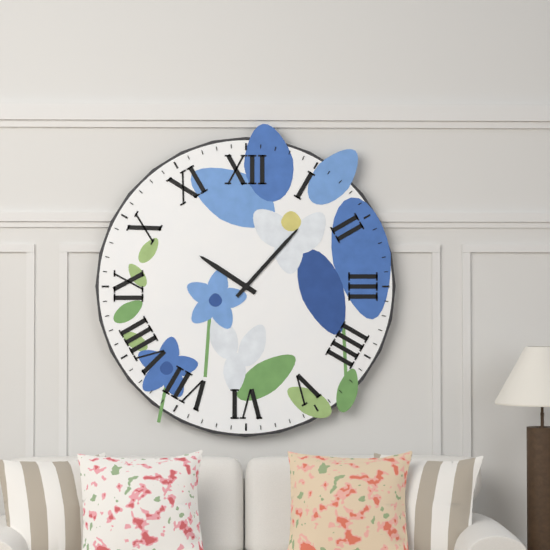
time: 10:07
